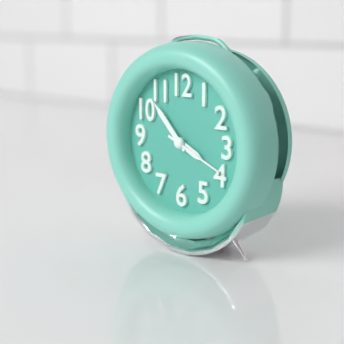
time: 3:53:19
